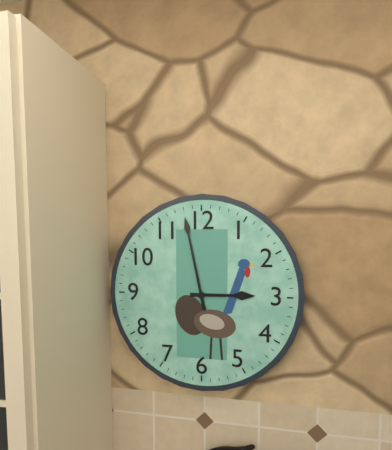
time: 2:58
